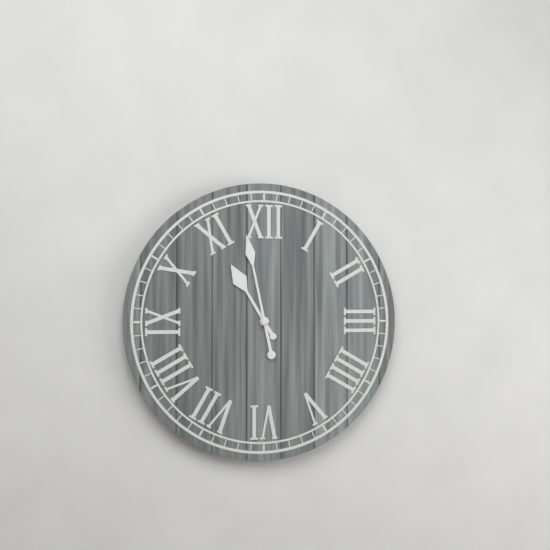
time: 10:58
